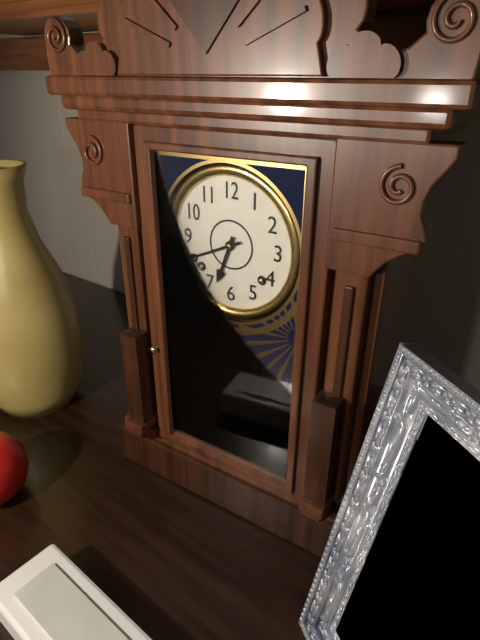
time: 6:41
